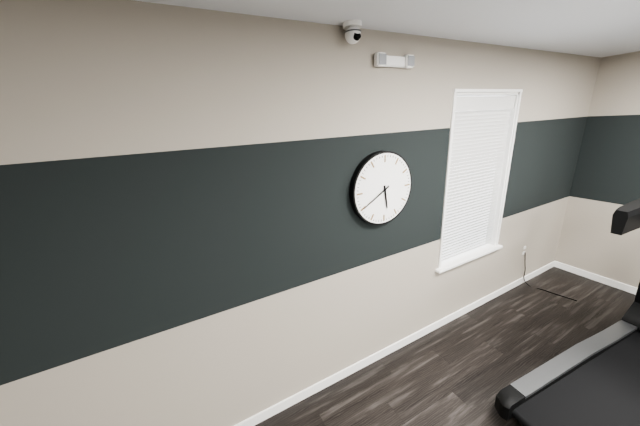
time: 5:40
